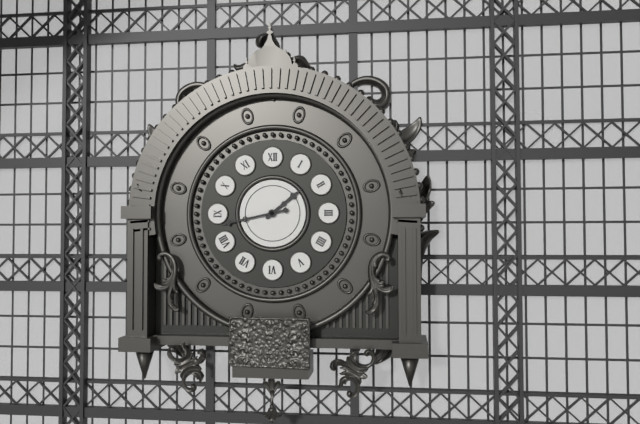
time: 1:43
